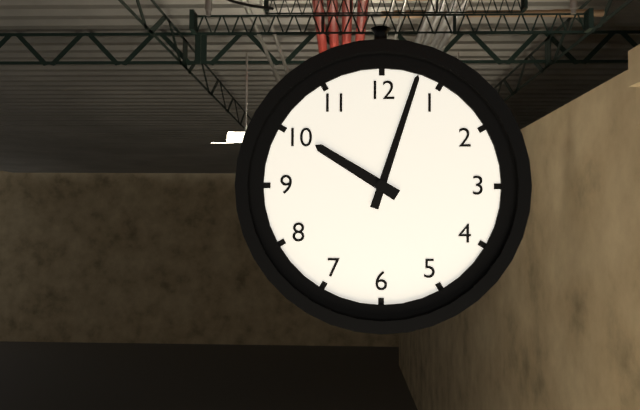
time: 10:03
